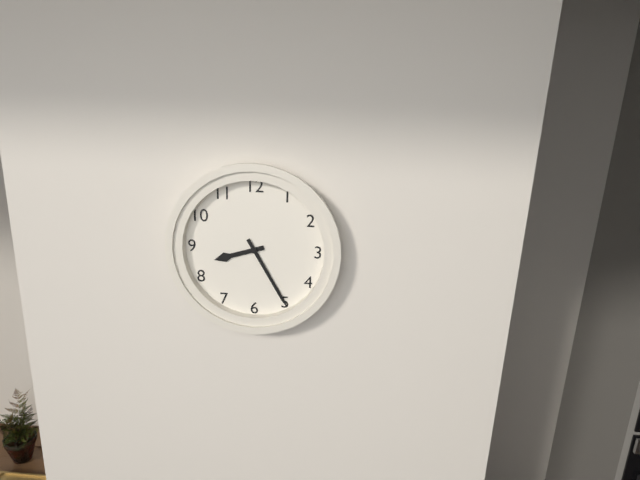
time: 8:25
